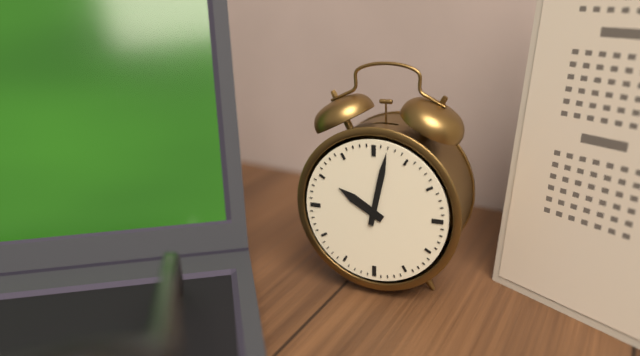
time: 10:02
